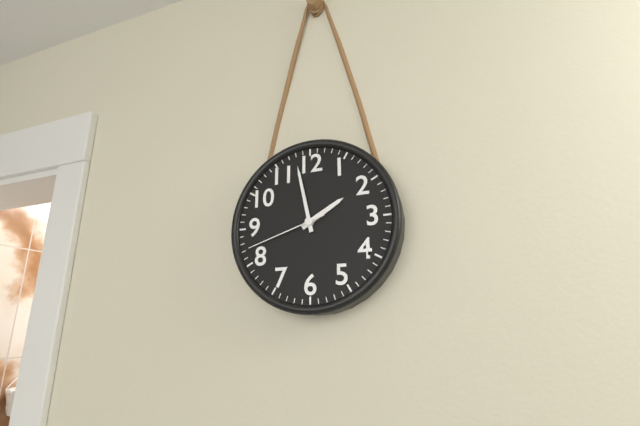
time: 1:58:42
